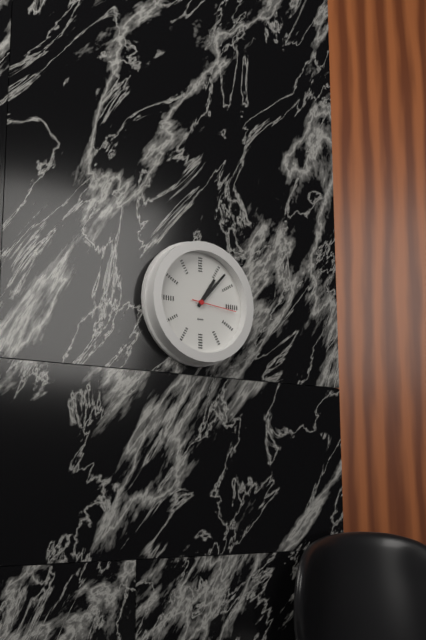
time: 1:07
